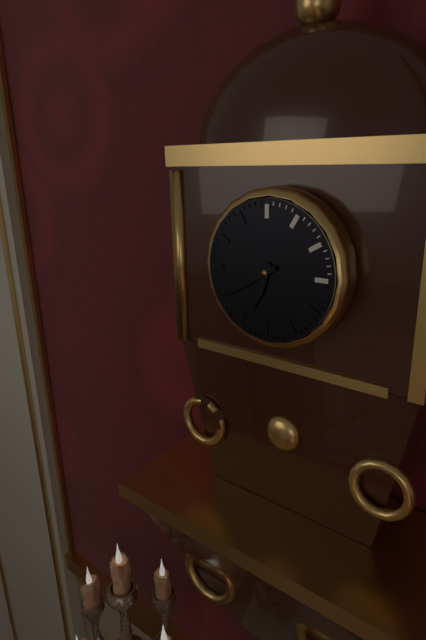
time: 6:40
